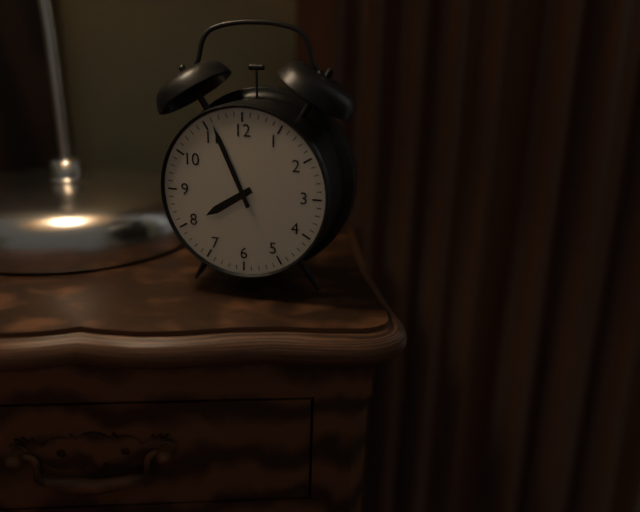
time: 7:56
